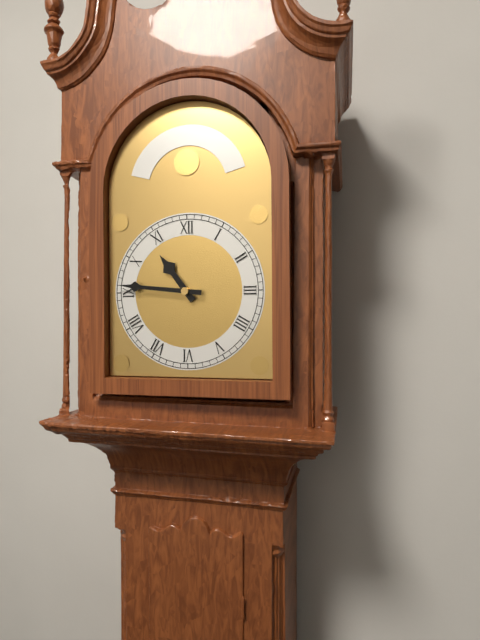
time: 10:46
